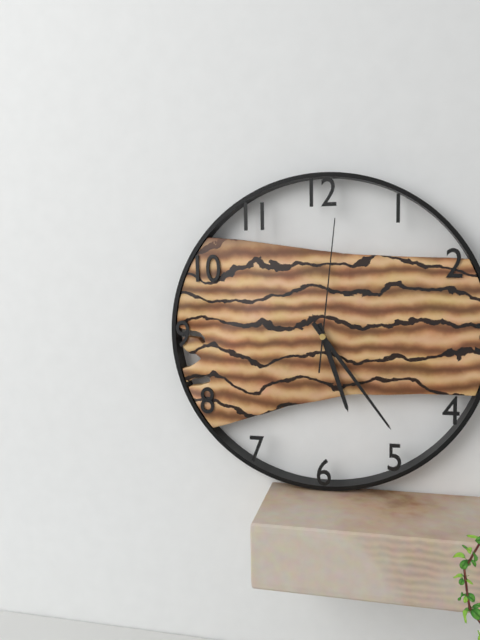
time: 5:24:01
